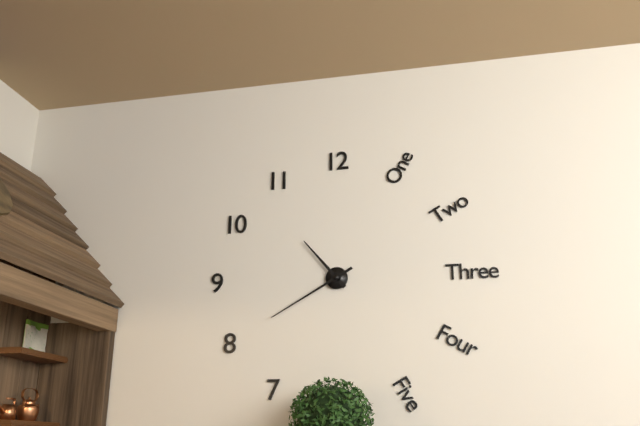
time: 10:40
